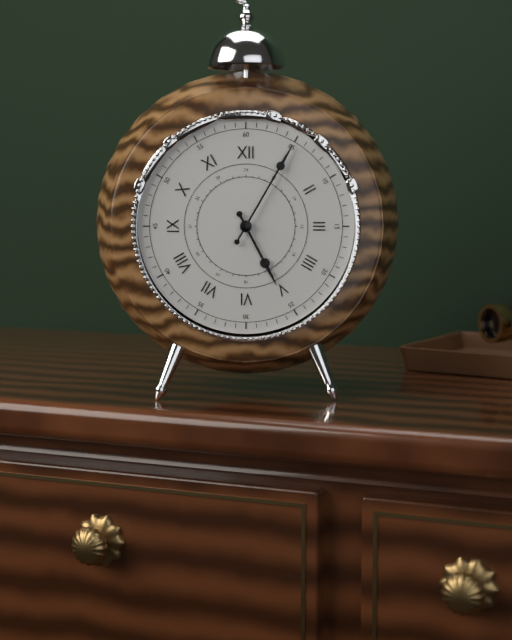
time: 5:05
